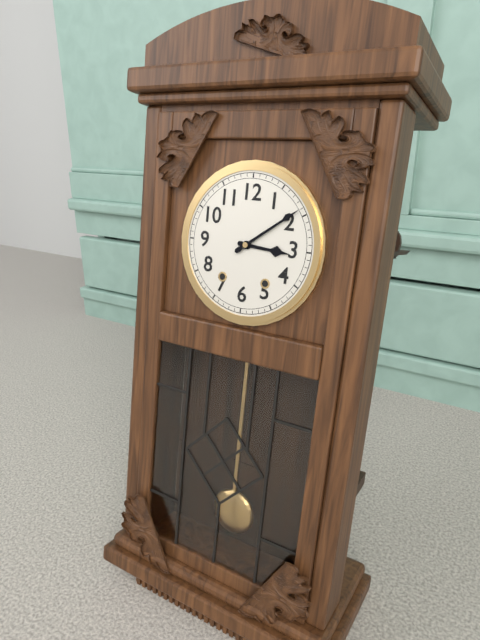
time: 3:09
